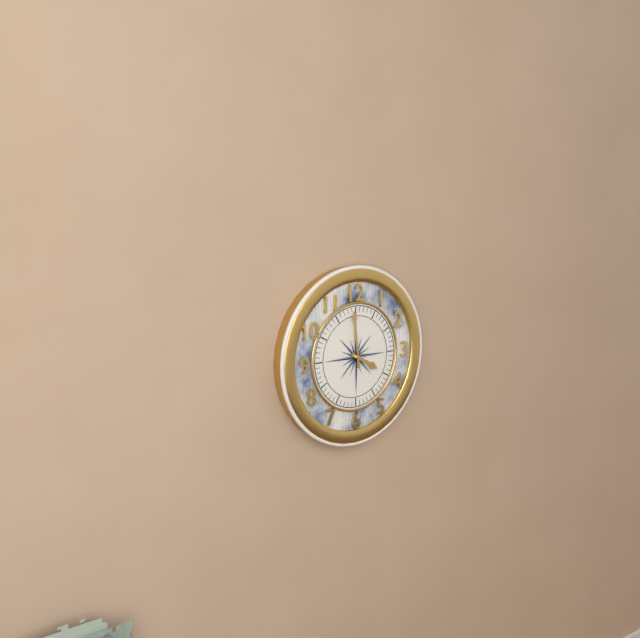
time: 3:59
